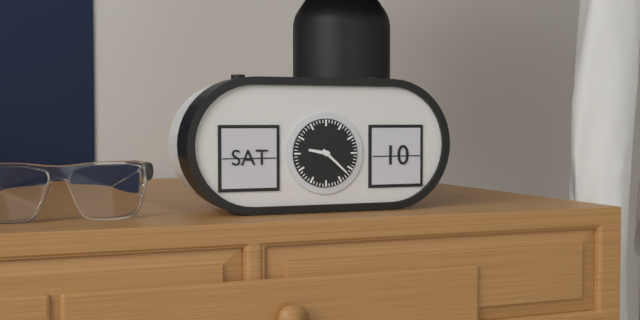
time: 9:22
